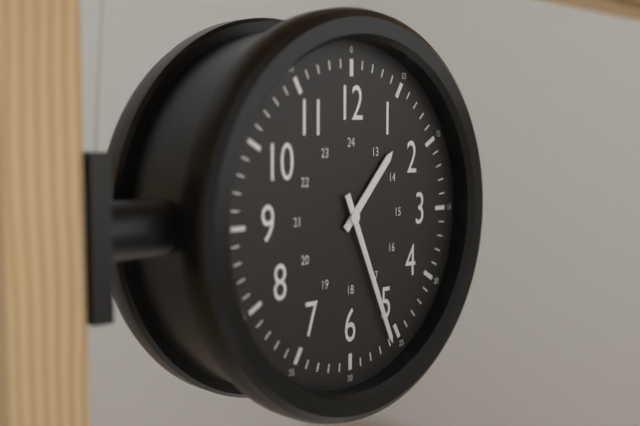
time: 1:26
